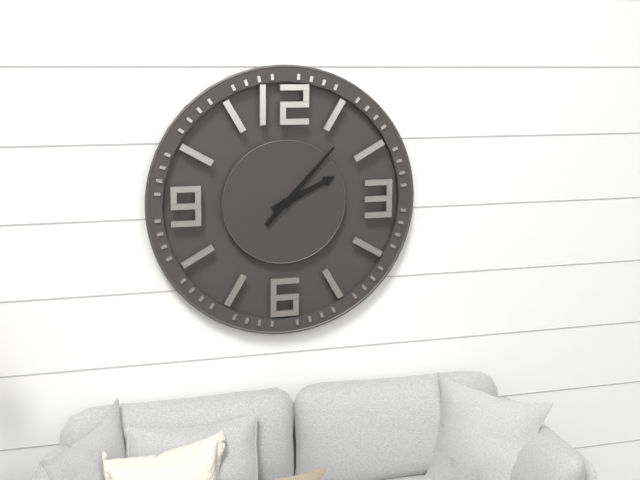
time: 2:07
